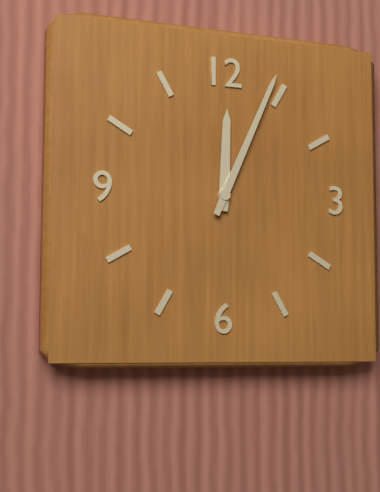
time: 12:04
